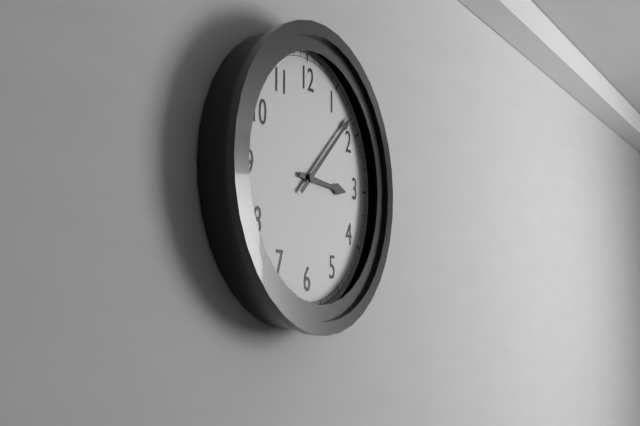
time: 3:08
